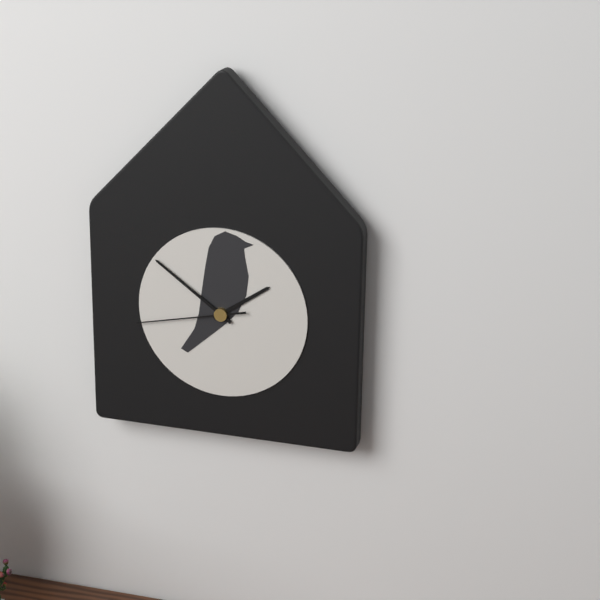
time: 1:51:43
